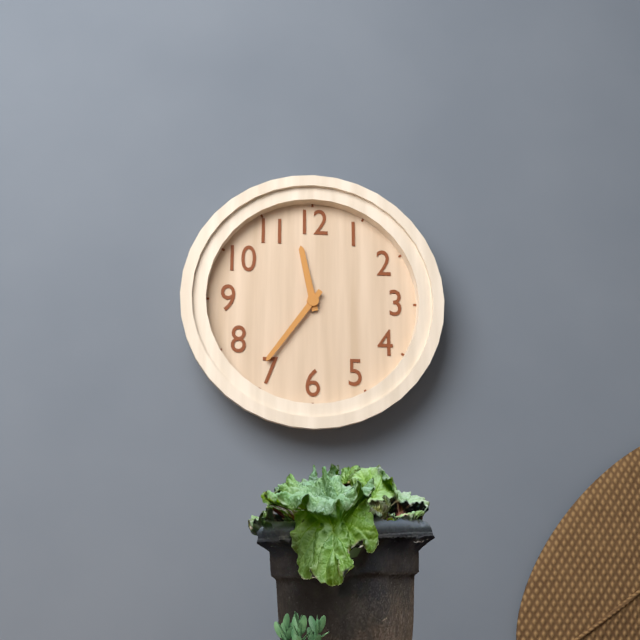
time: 11:36
